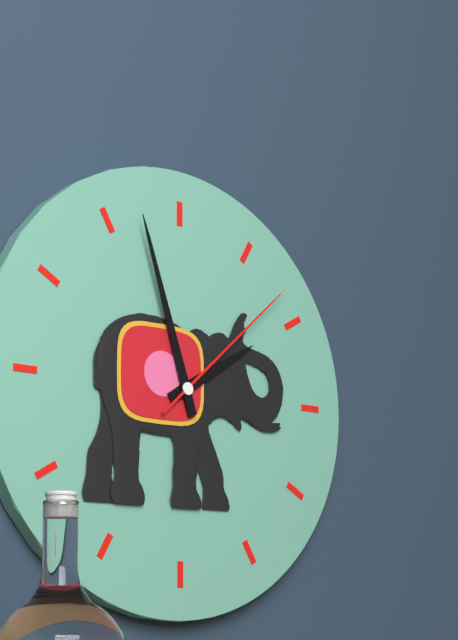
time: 1:57:08
